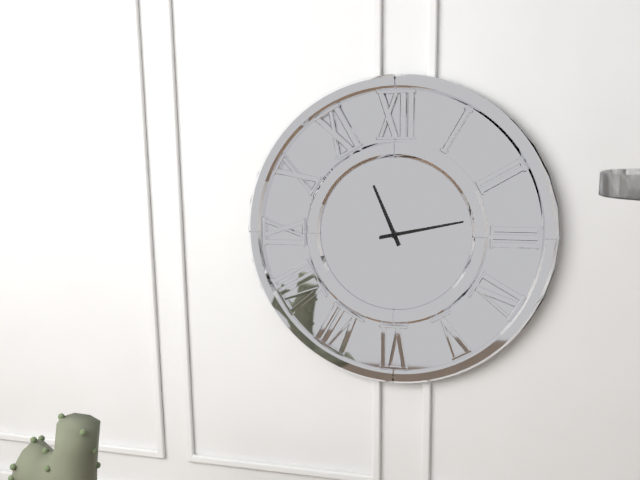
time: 11:13
